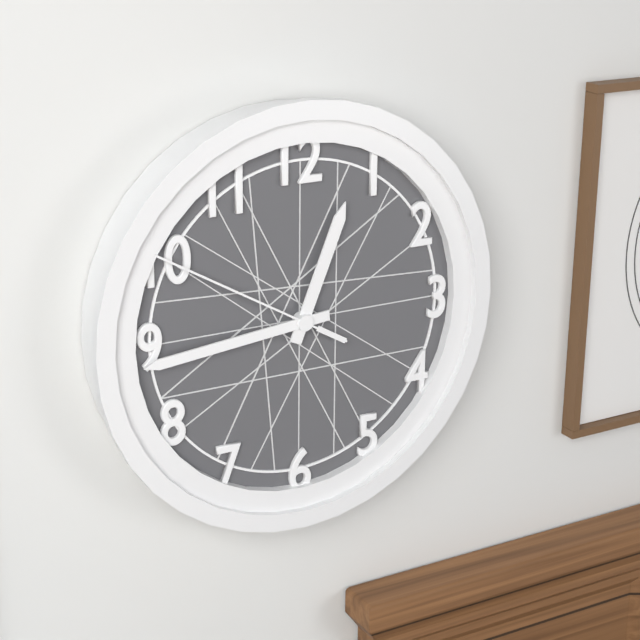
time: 12:44:50
